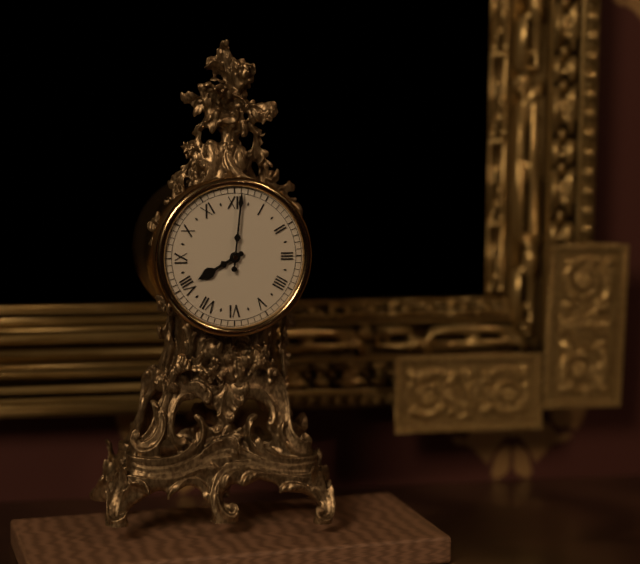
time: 8:01
